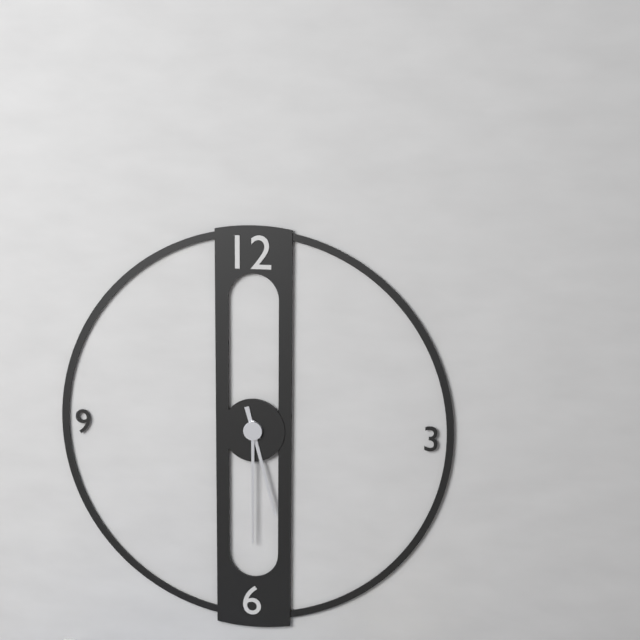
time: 5:30
